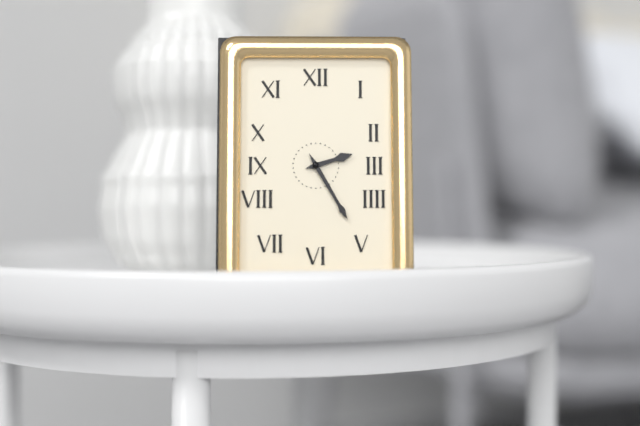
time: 2:25
